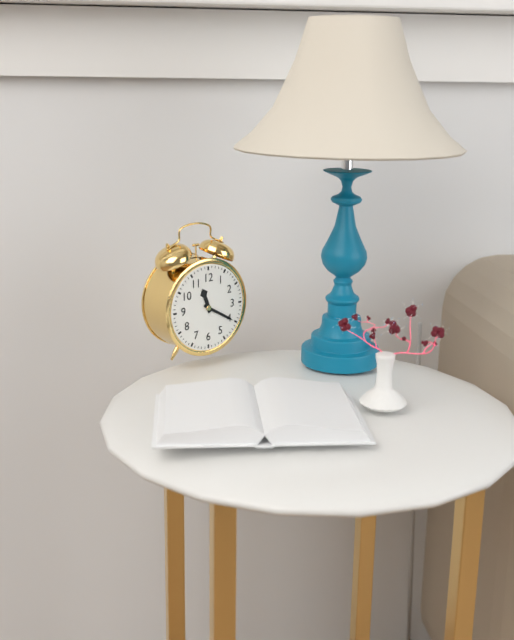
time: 11:20
